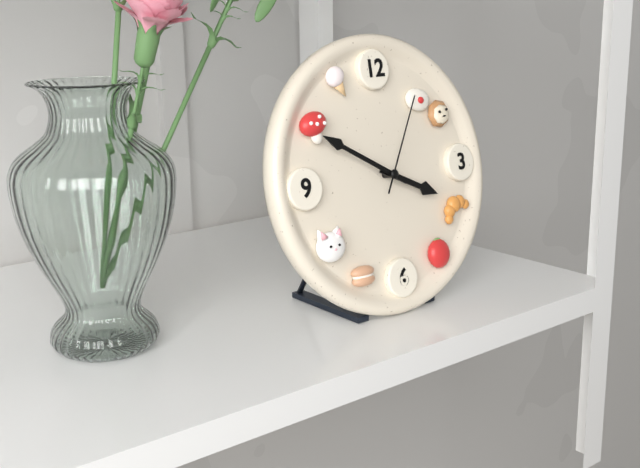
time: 3:50:05
